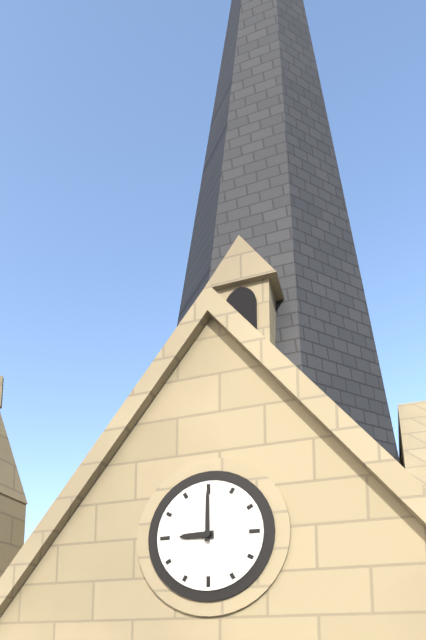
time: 9:00
